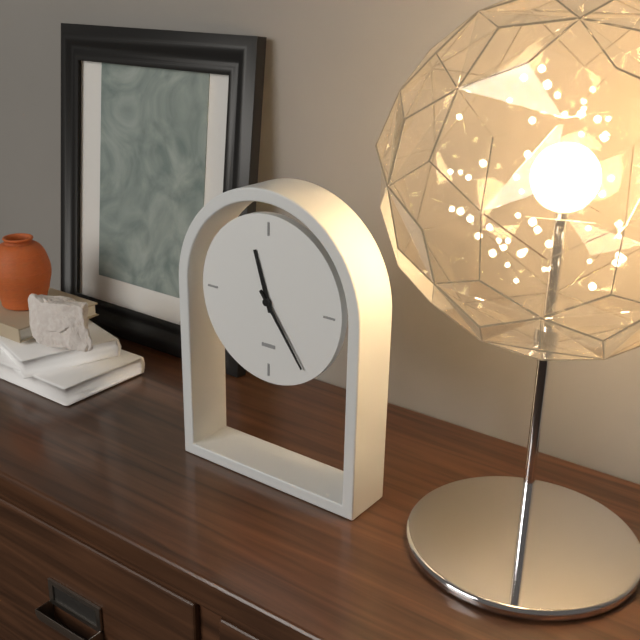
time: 11:24
